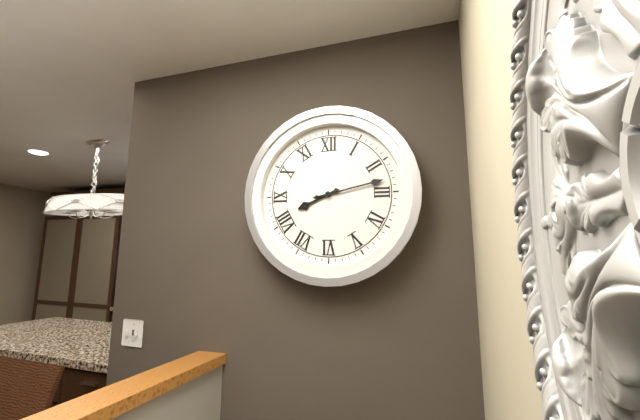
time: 8:13
